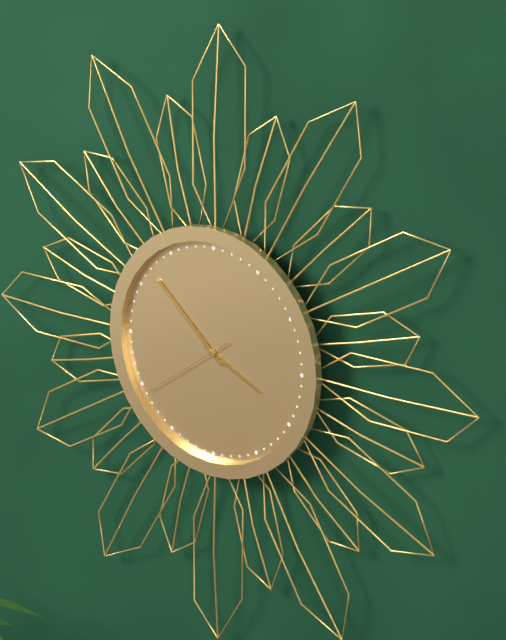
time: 3:52:39
